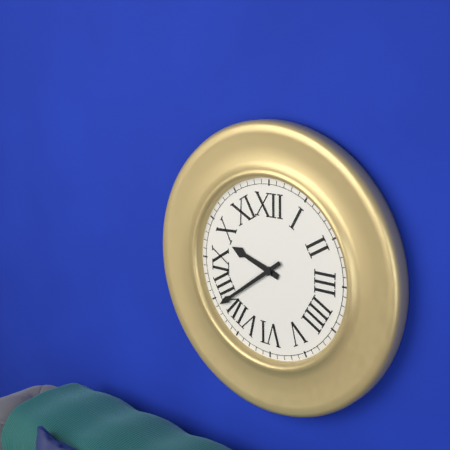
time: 9:39
